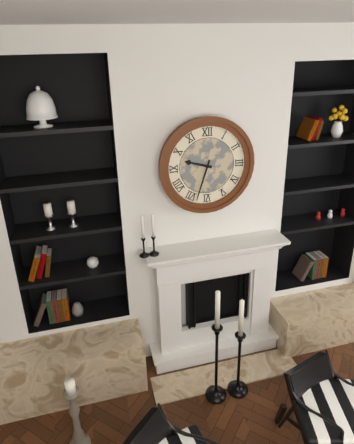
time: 9:33
